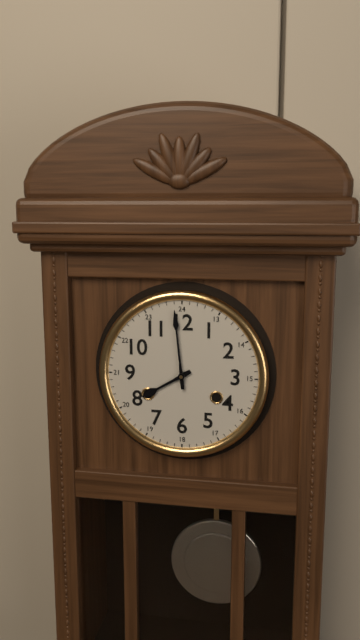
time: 7:59
